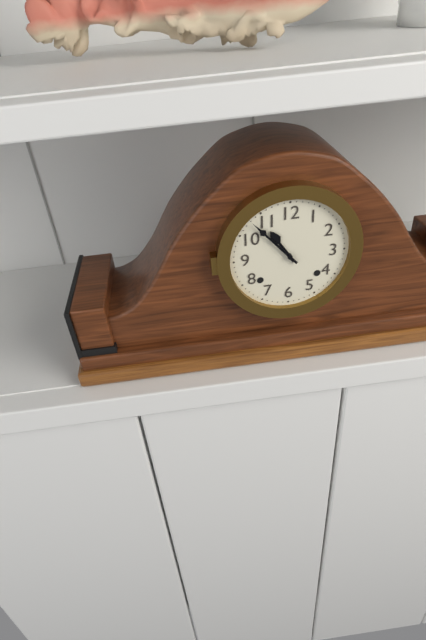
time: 10:53
